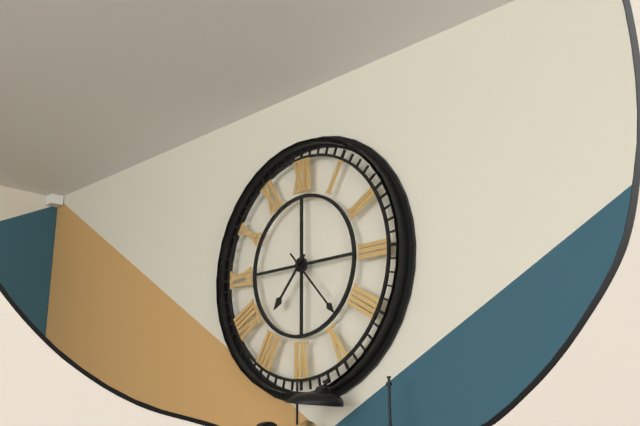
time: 7:23
